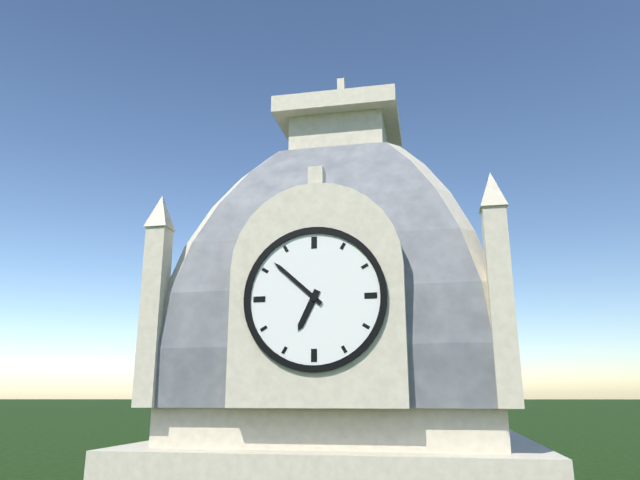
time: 6:52
